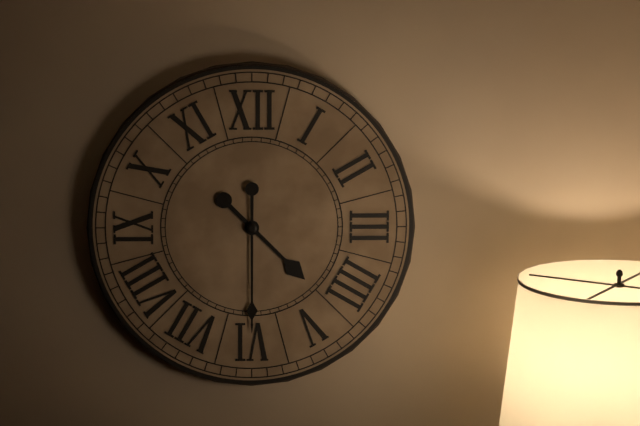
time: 4:30
